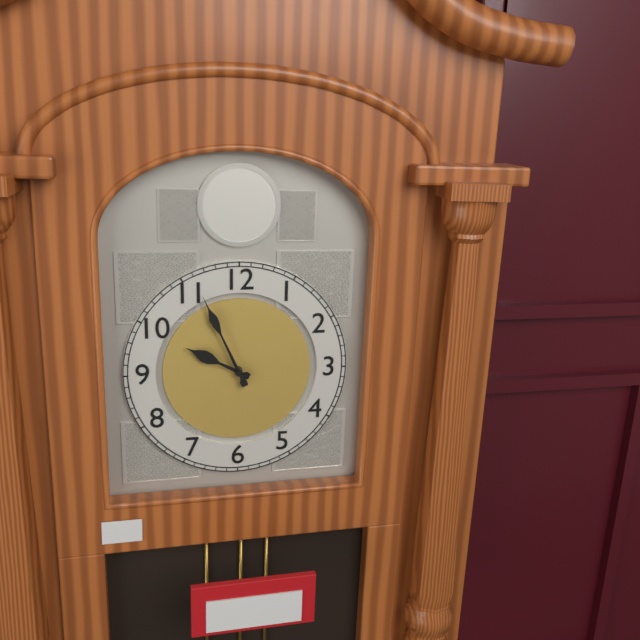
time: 9:56
